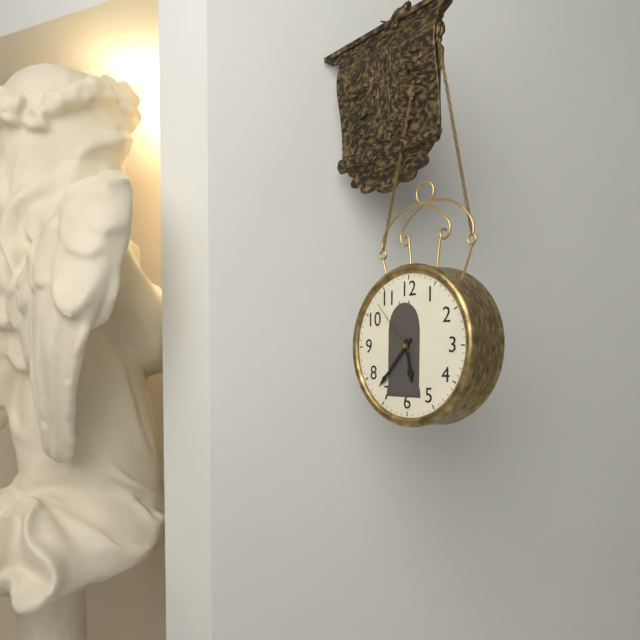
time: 5:37:53
